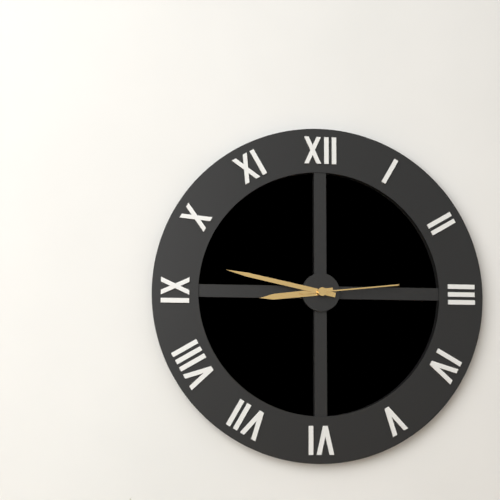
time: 8:47:14
